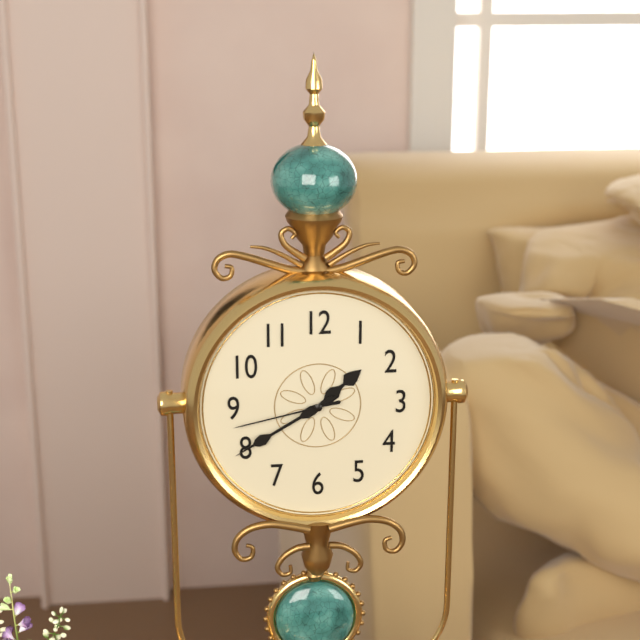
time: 1:40:43
